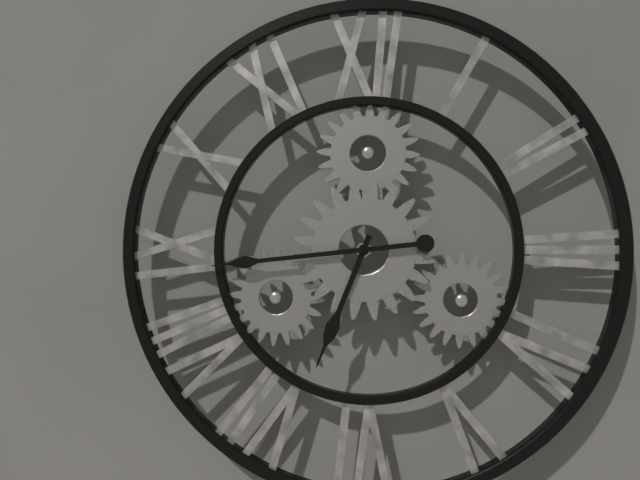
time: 6:44
